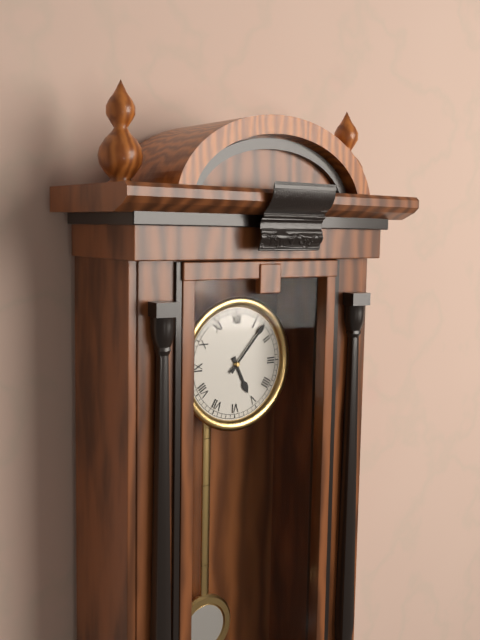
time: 5:07
